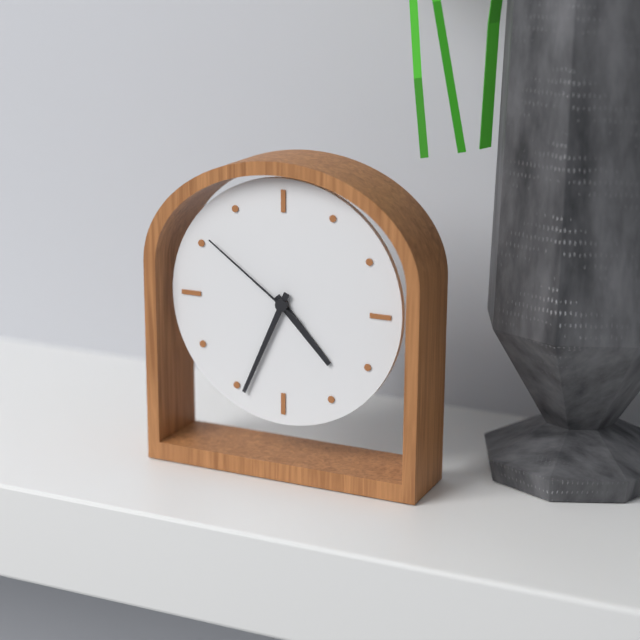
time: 4:34:51
